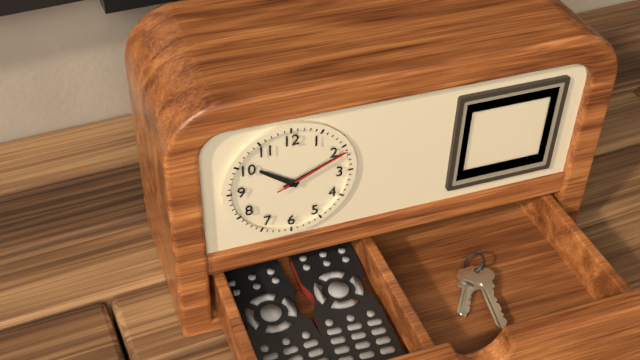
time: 10:11:11
